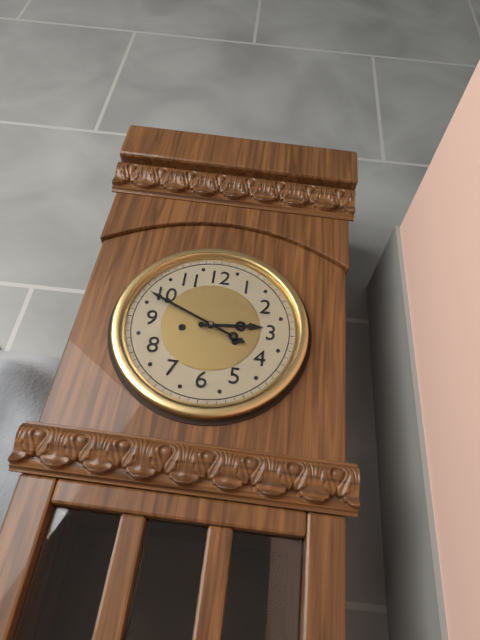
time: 2:49
